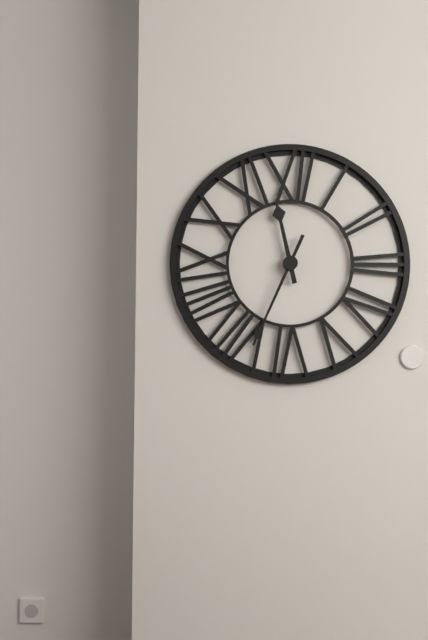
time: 11:34
